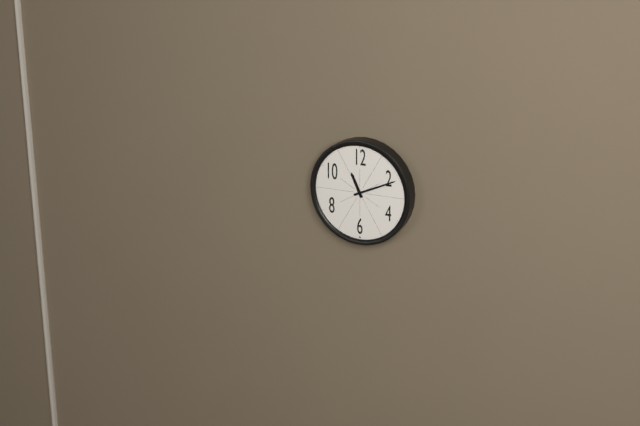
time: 11:11
